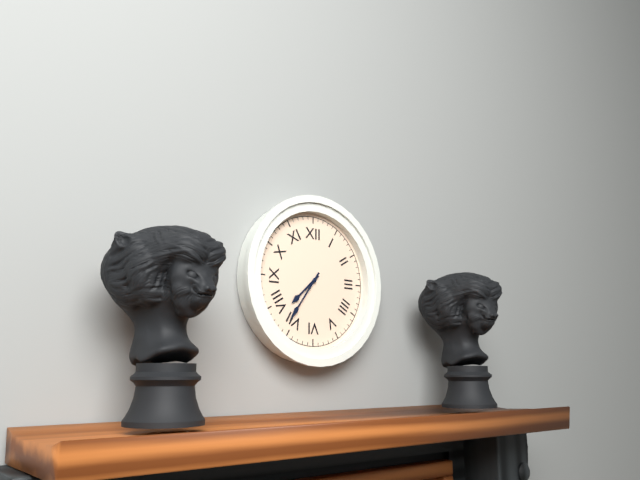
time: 7:36
